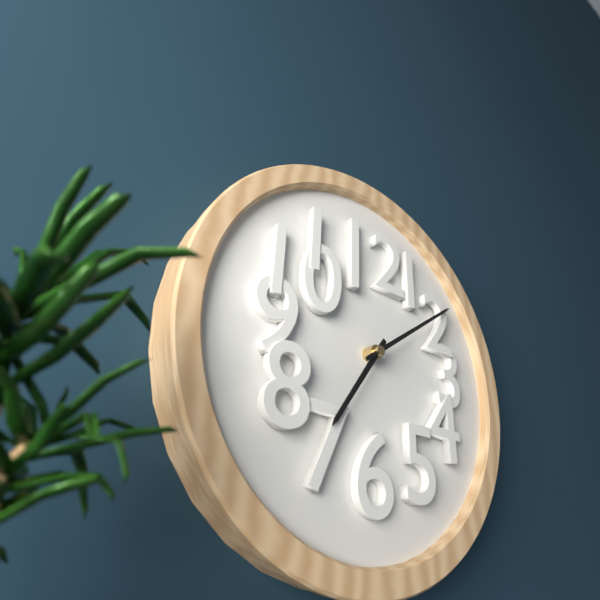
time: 7:09
